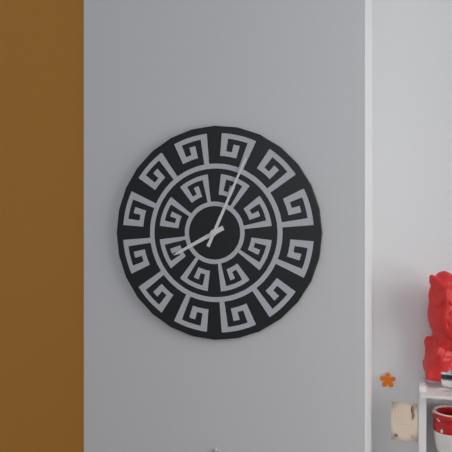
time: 8:04
